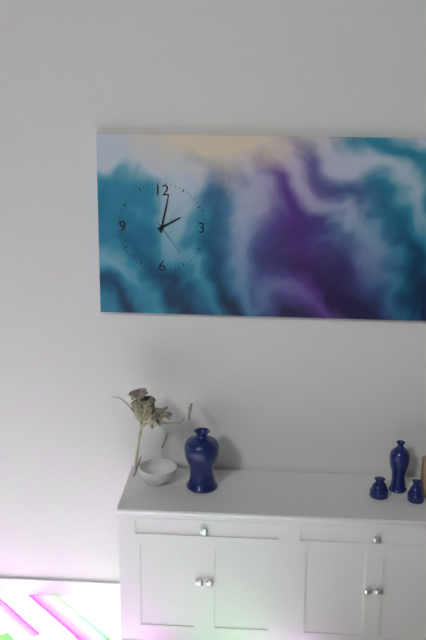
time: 2:02
